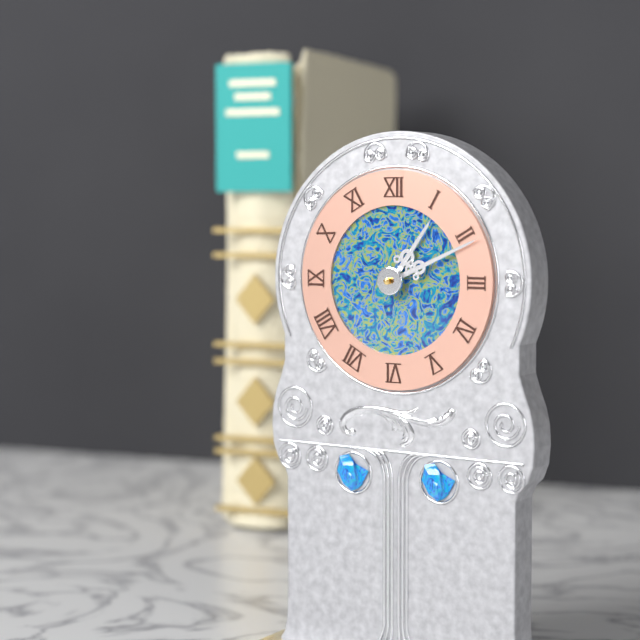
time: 1:11
